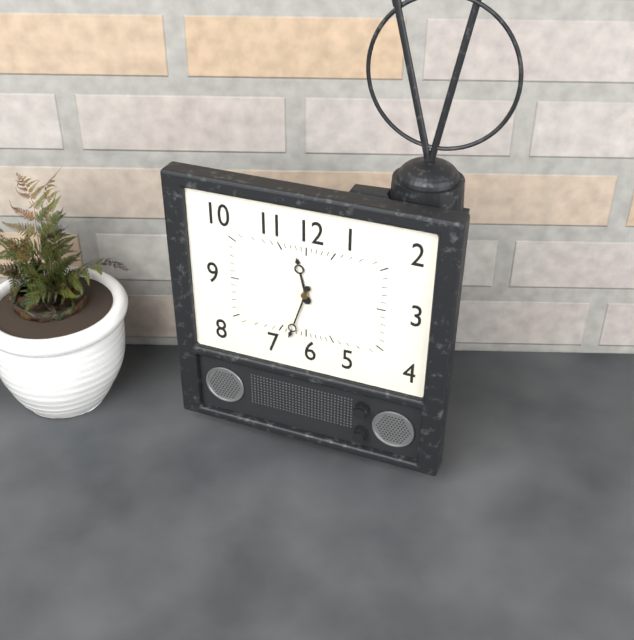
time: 11:33
